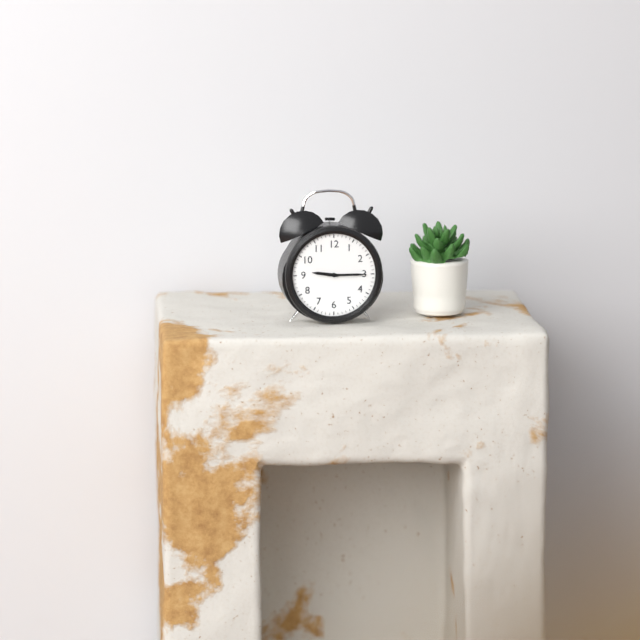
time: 9:15
